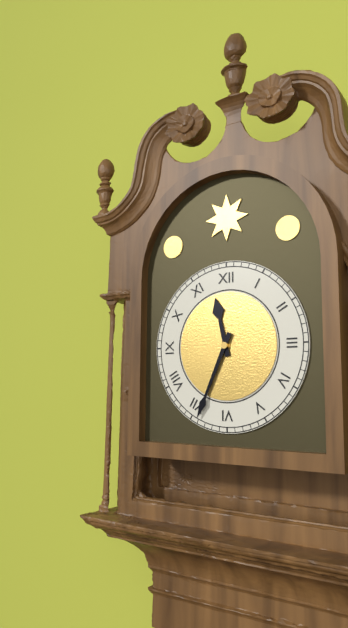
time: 11:34
